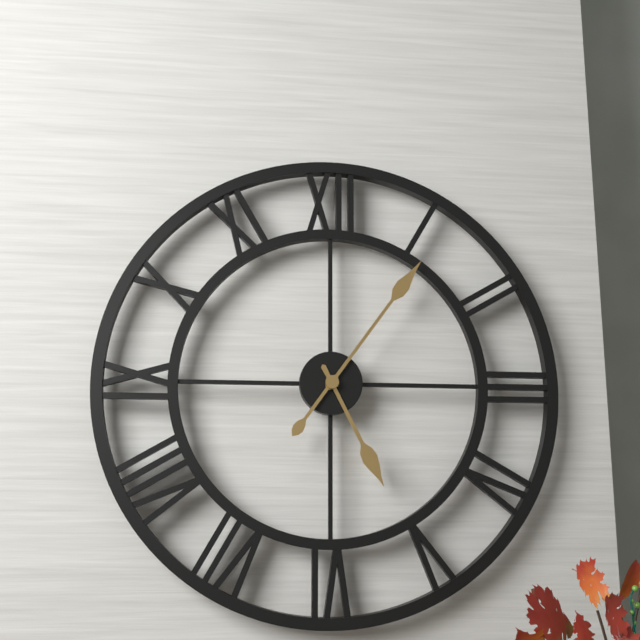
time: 5:06
